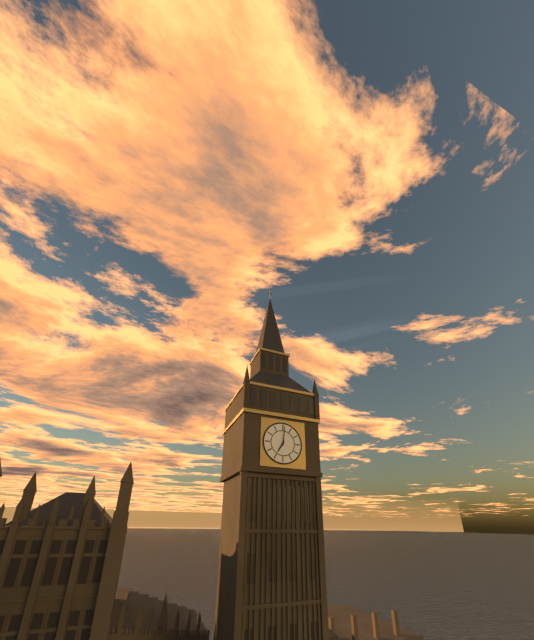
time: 7:01
